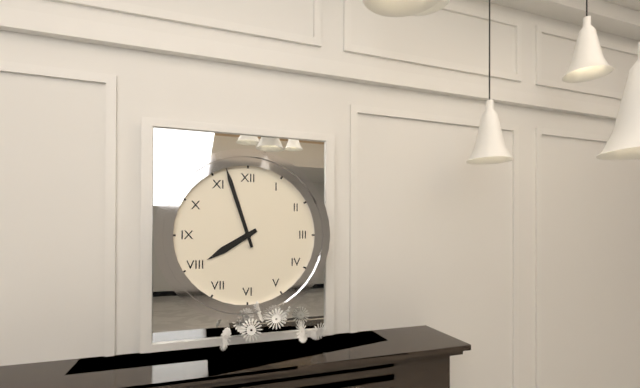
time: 7:57
